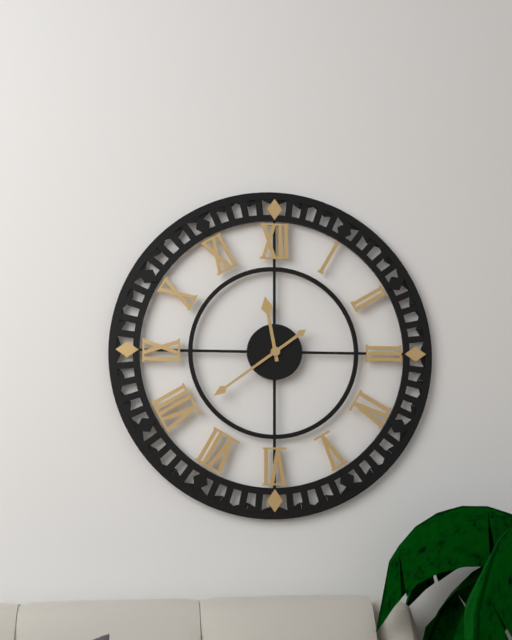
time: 11:39
